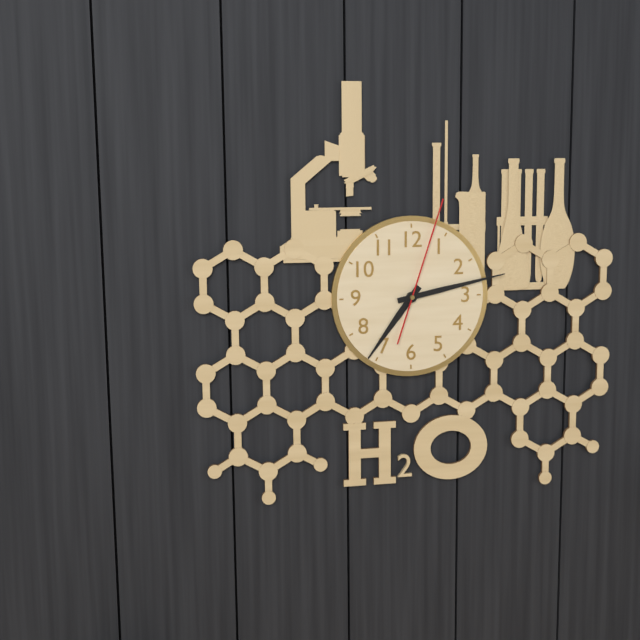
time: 7:13:03
